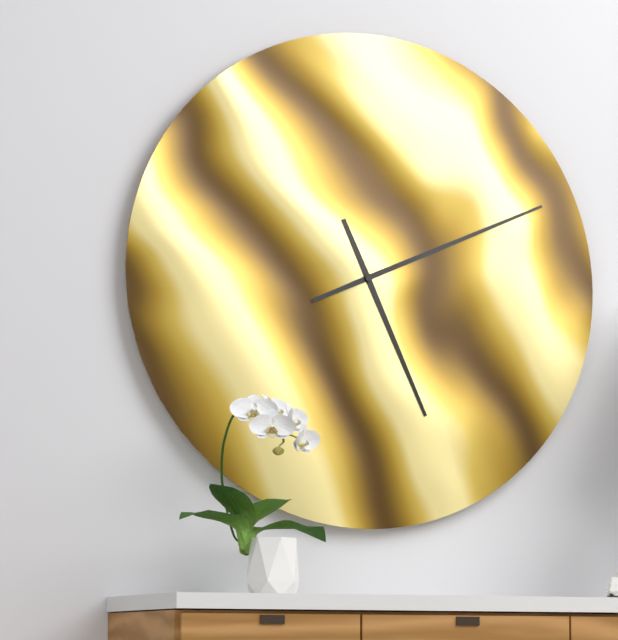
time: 5:11
